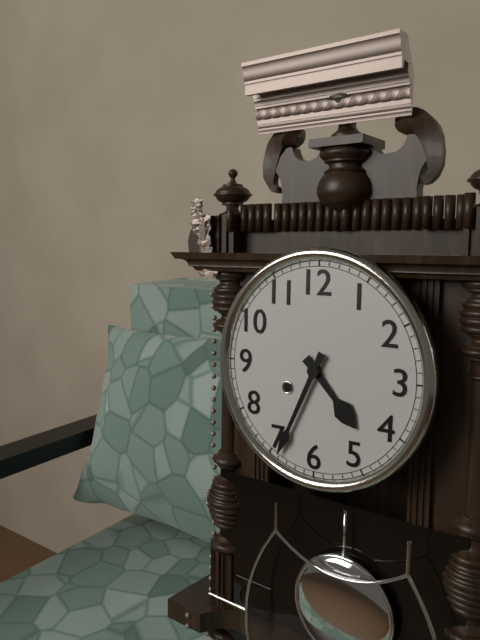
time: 4:34
